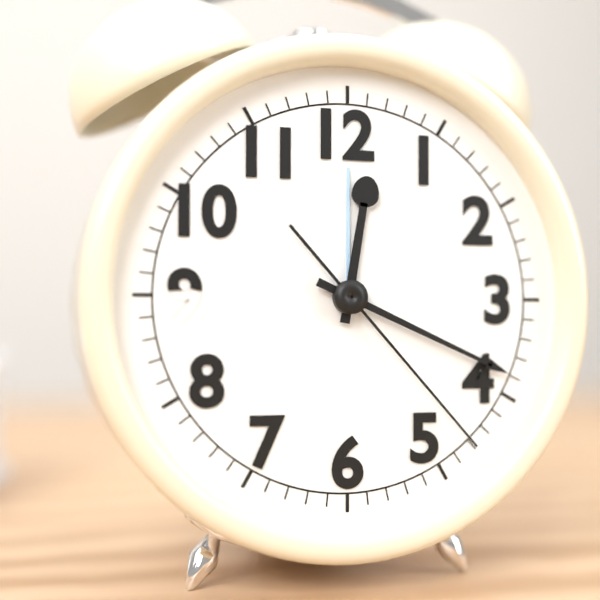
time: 12:19:23
